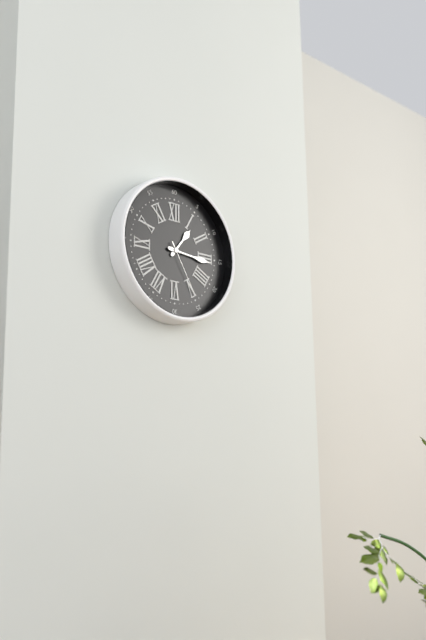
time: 1:16:25
